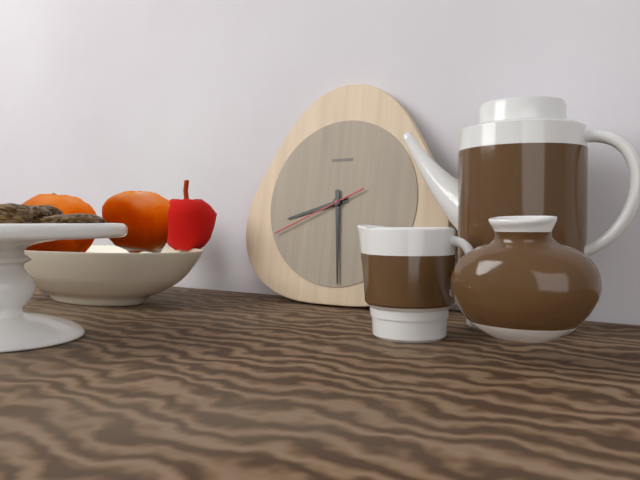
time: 8:29:41
